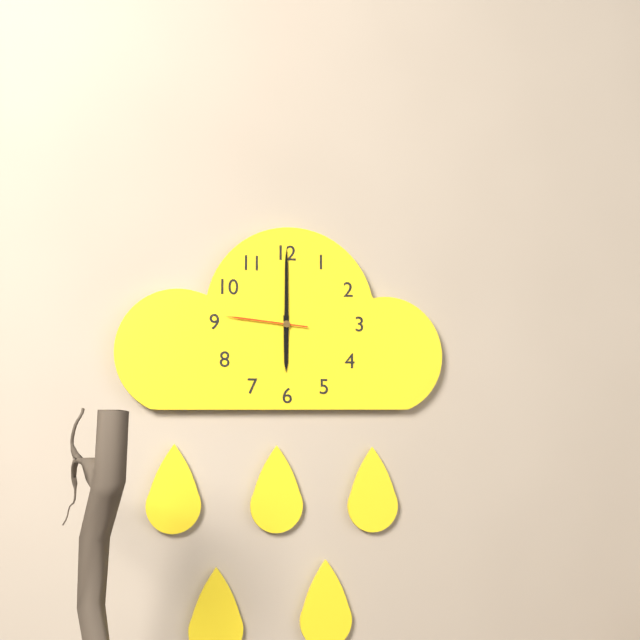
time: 6:00:46
